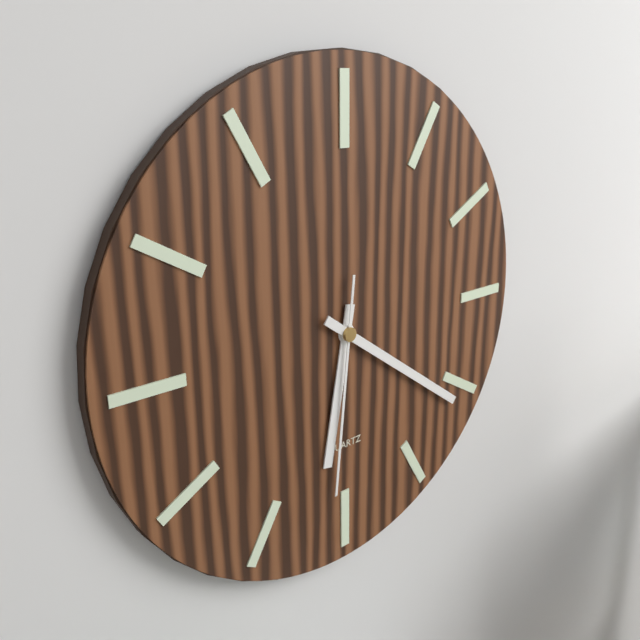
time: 6:21:31
